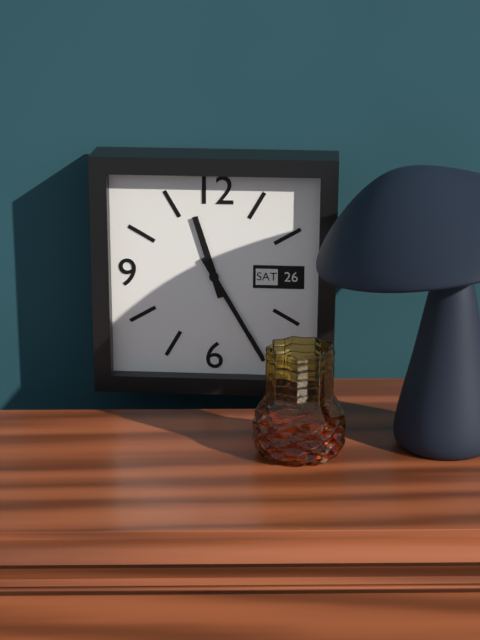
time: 11:25
